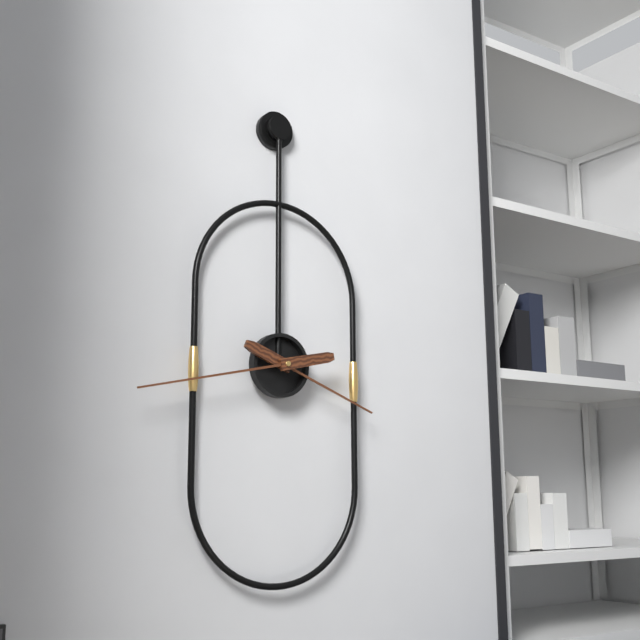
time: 3:43
